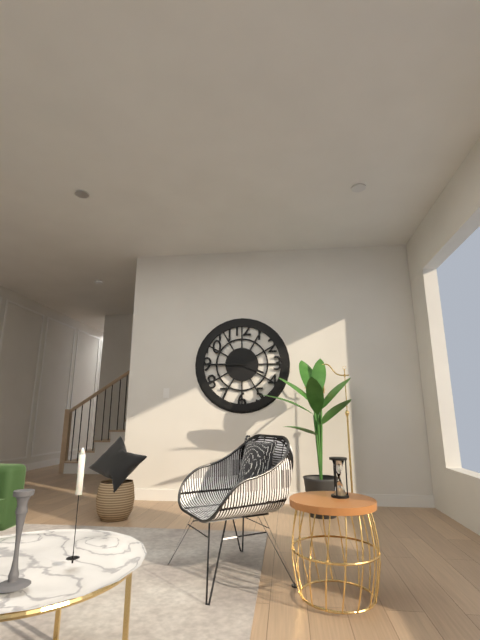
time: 3:45
